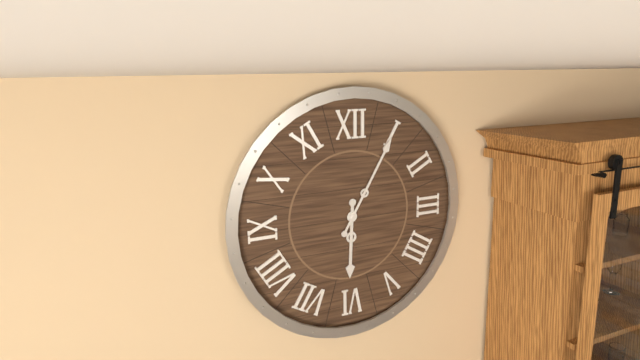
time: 6:05
